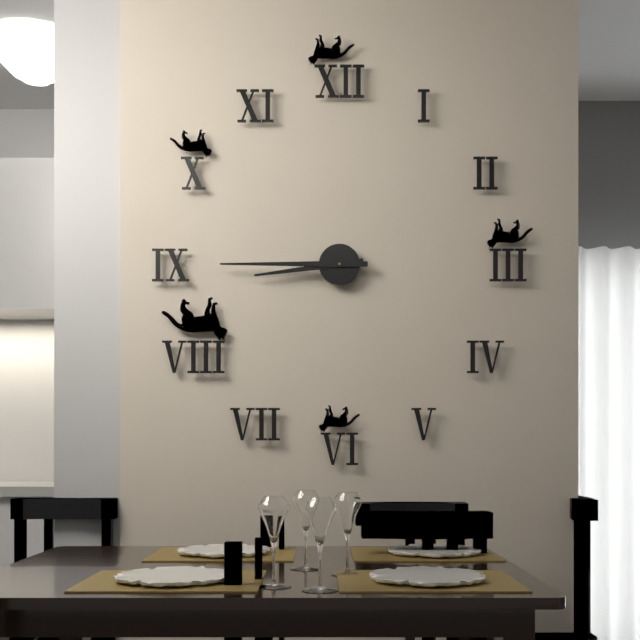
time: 8:45
